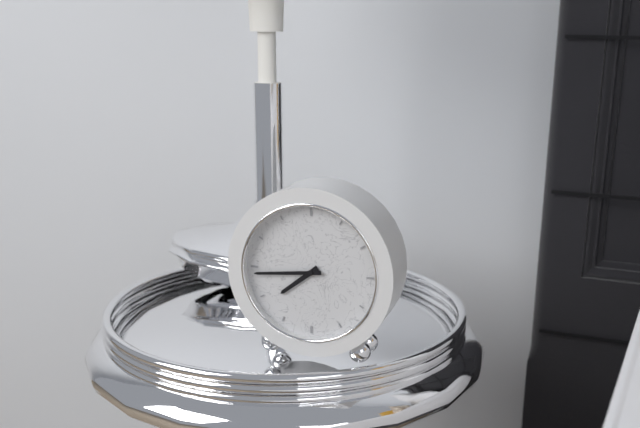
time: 7:44
